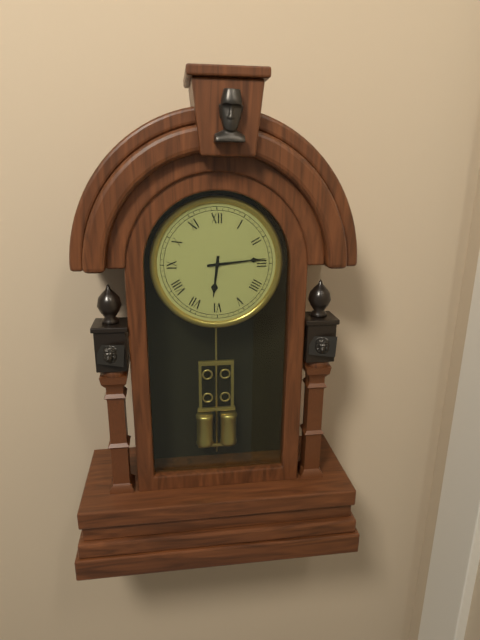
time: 6:14
